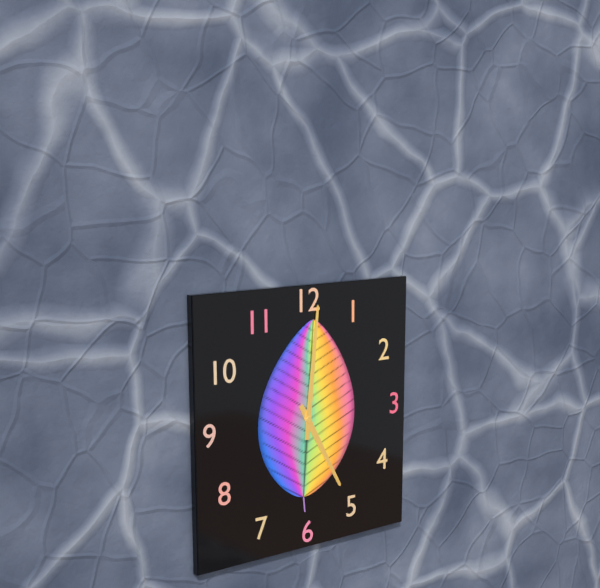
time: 5:01
